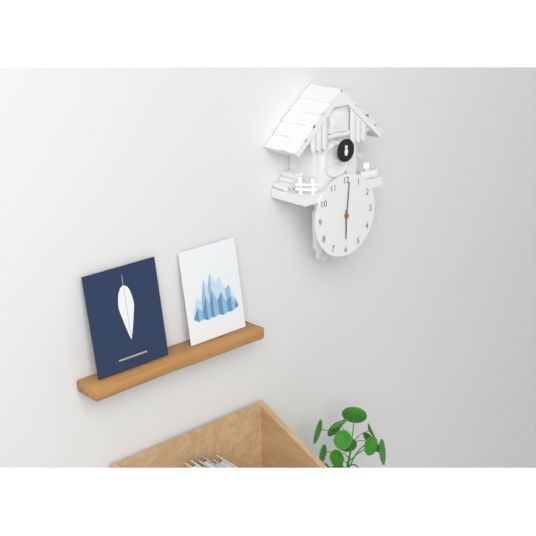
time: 6:01
